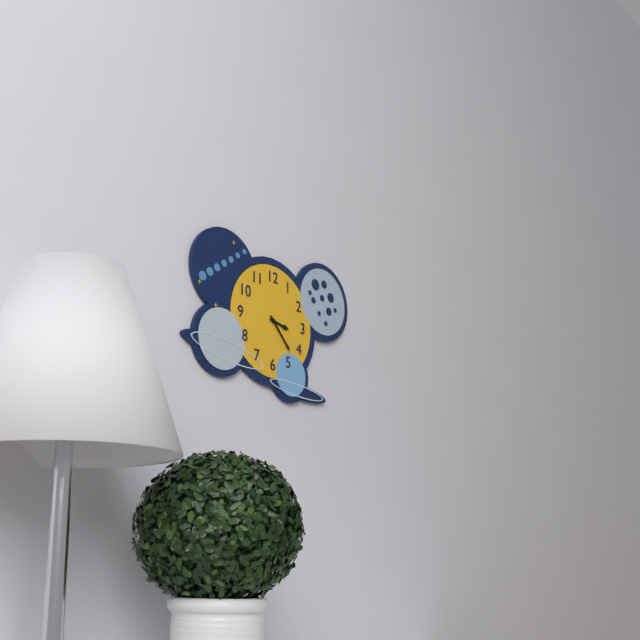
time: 3:23
